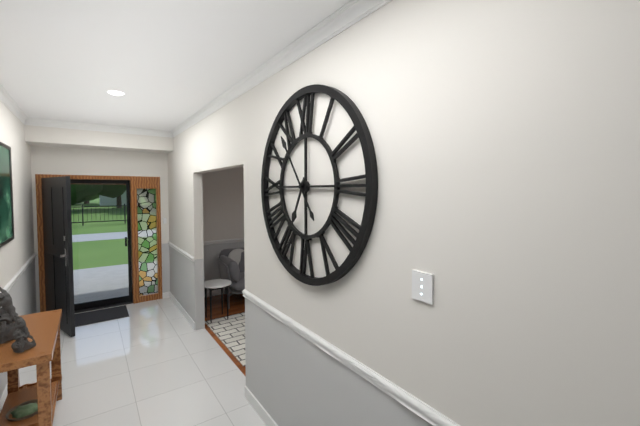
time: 6:54
